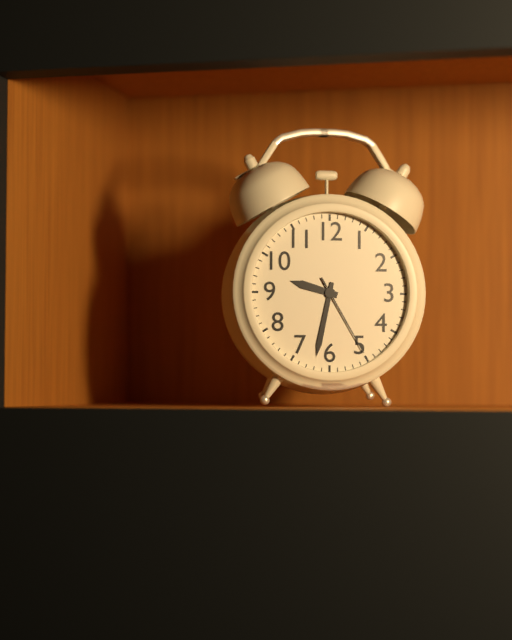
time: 9:32:25
